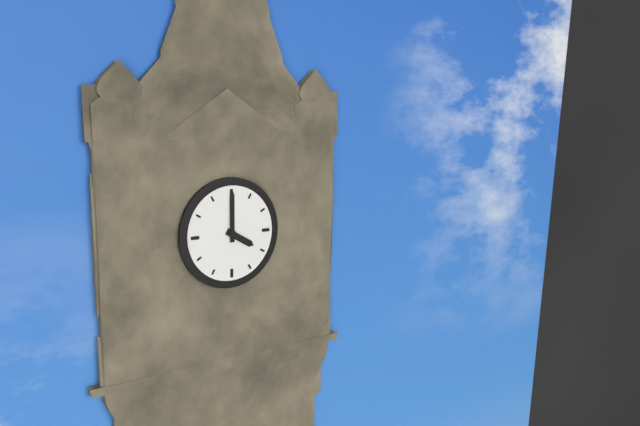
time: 4:00
